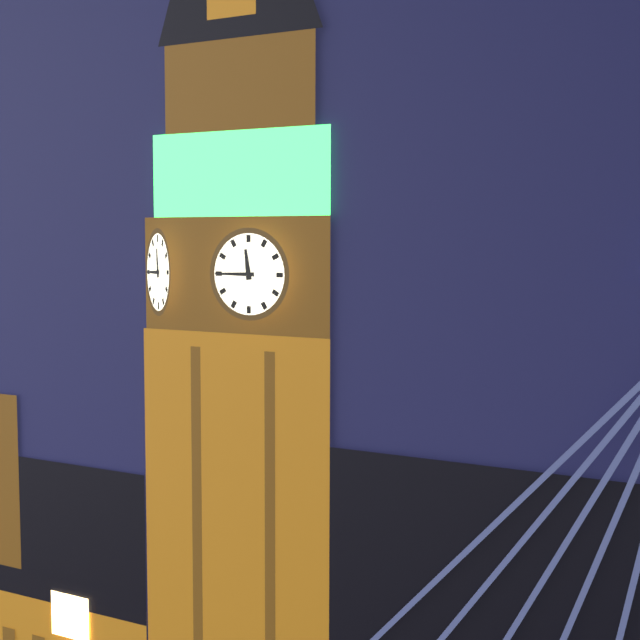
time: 11:45
